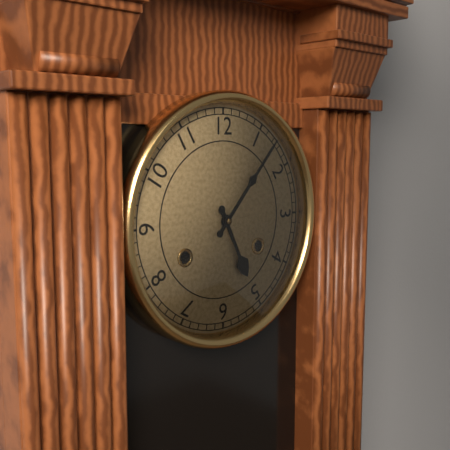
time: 5:07
